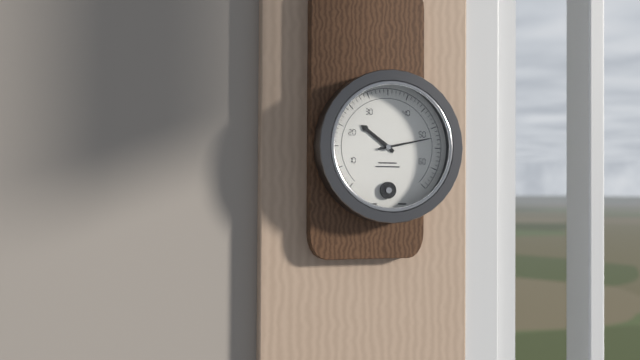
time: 10:13
